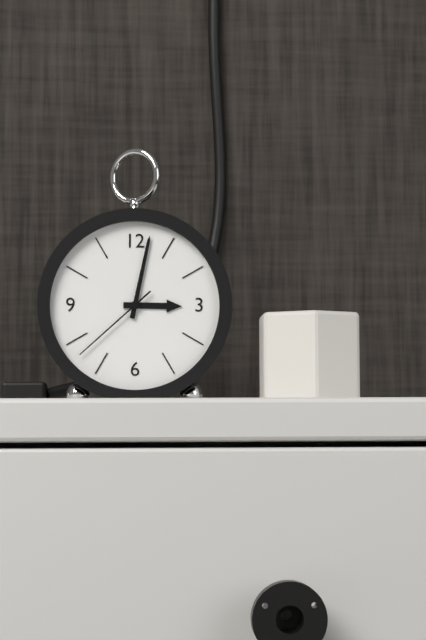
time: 3:02:38
